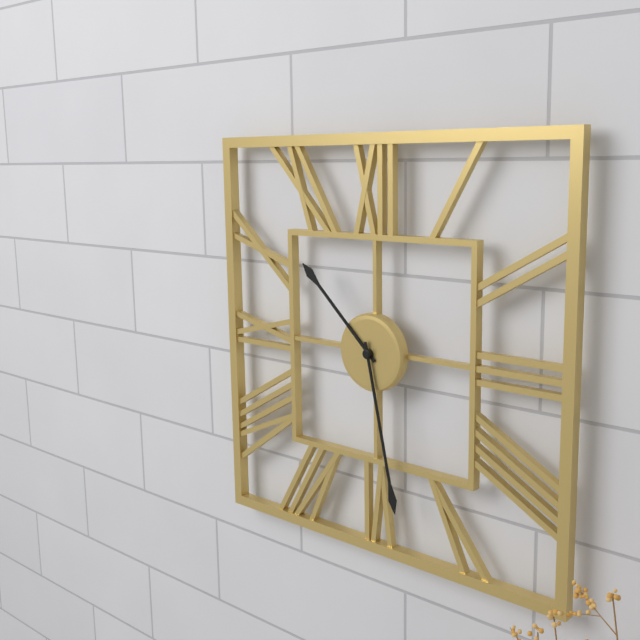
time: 10:28
